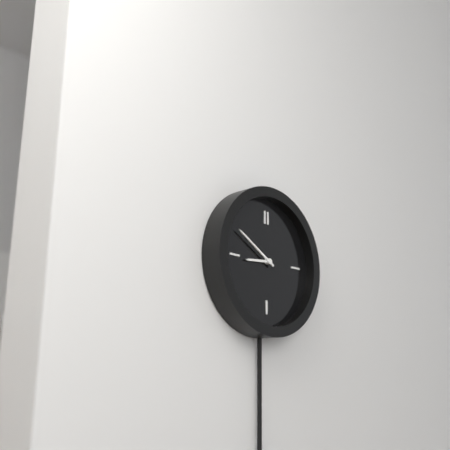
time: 8:50
